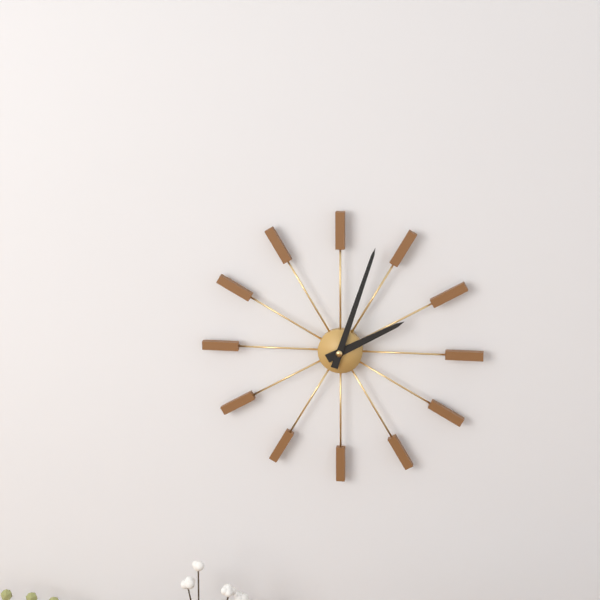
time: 2:03
